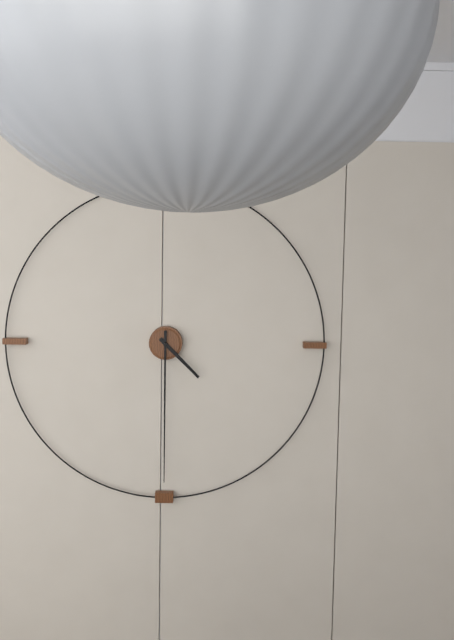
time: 4:30
